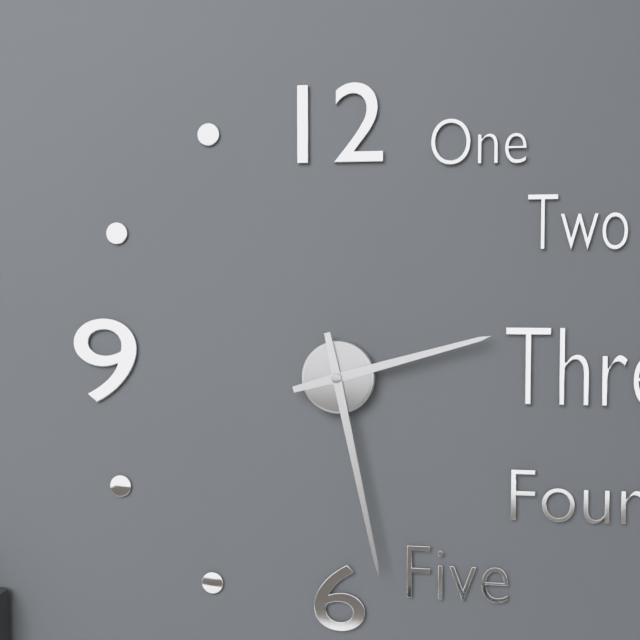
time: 2:28
